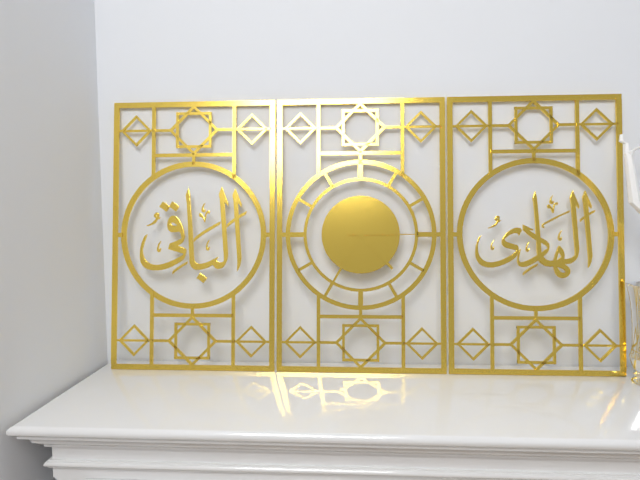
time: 4:35:15
